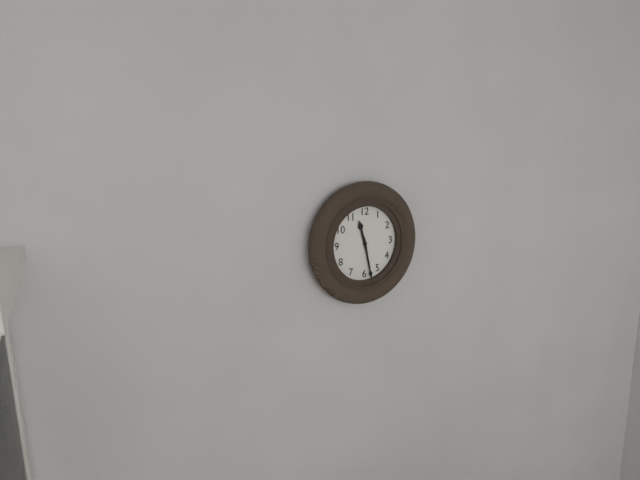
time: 11:28
